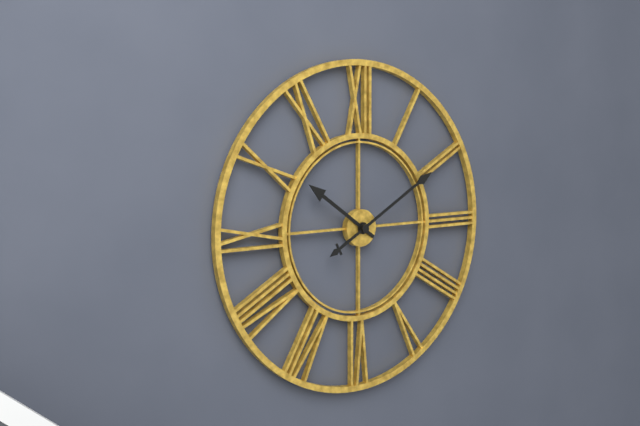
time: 10:10
